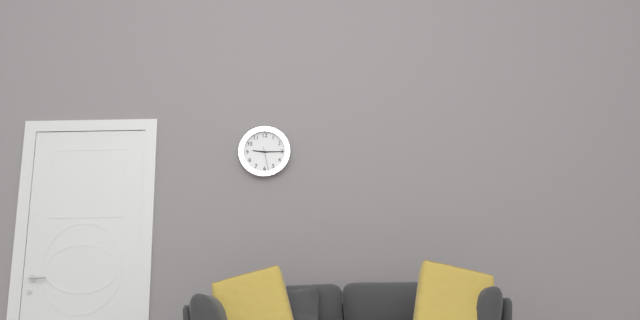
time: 9:15
